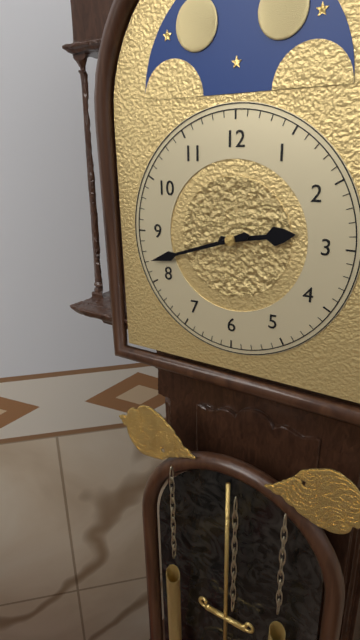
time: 2:42
